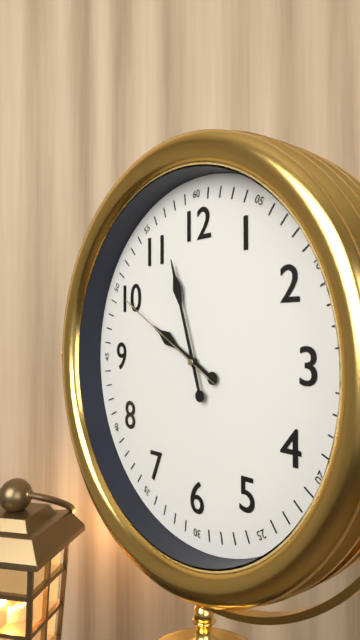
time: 9:57:50
